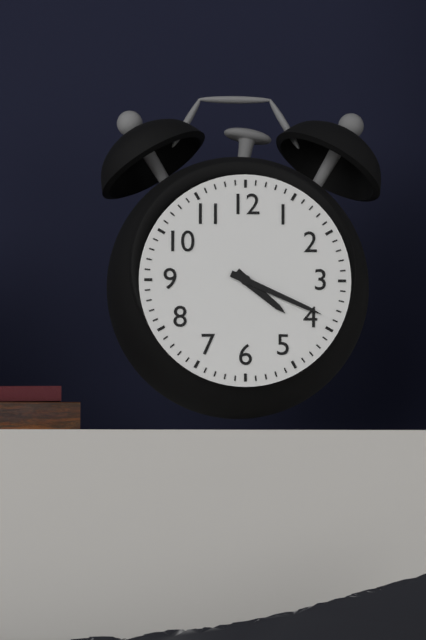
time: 4:19
